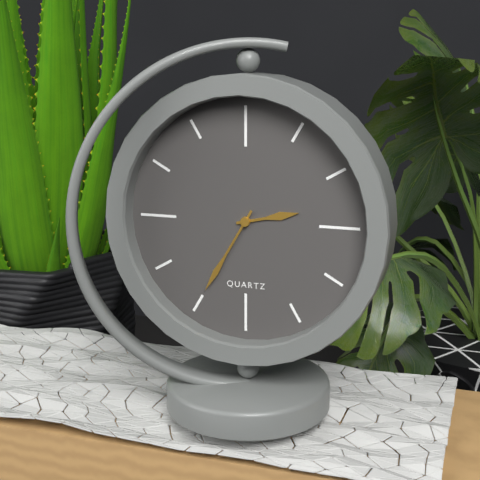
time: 2:35
